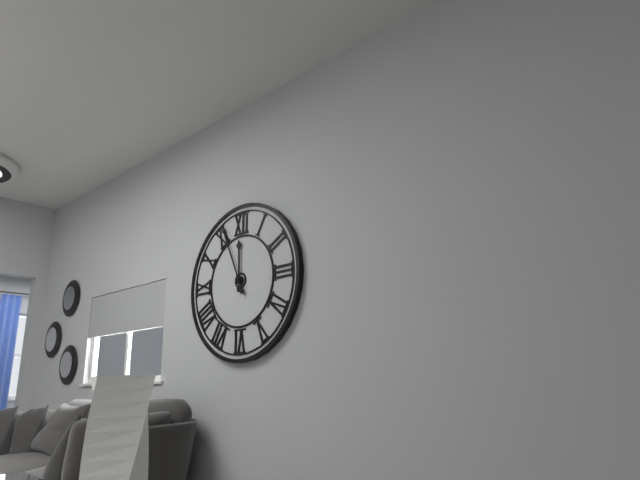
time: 11:56
